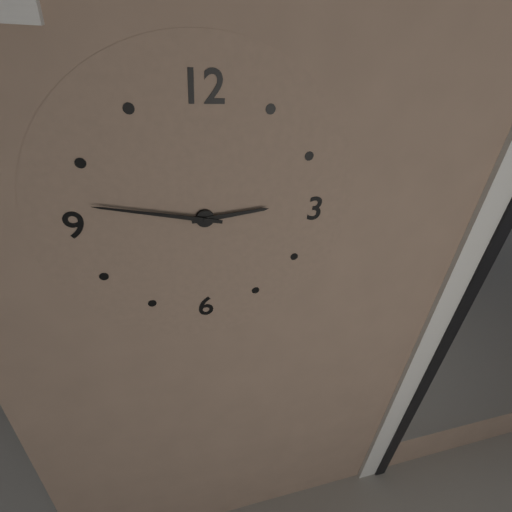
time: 2:47
